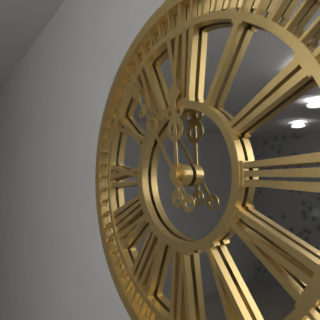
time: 11:54
